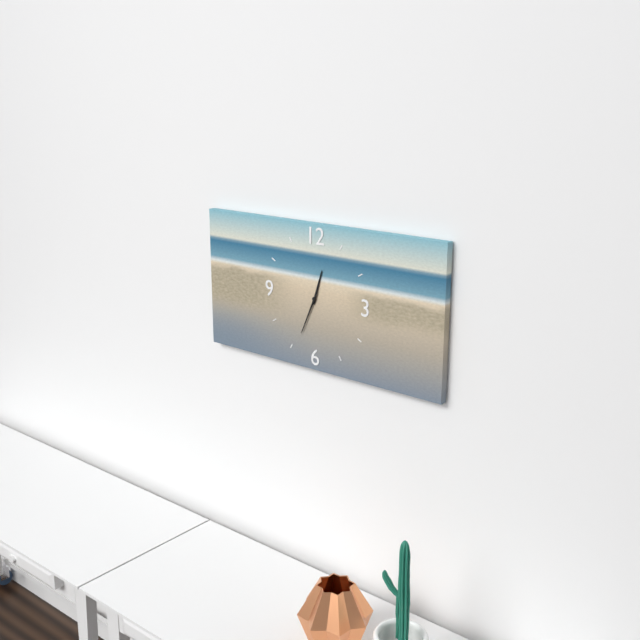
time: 12:34
